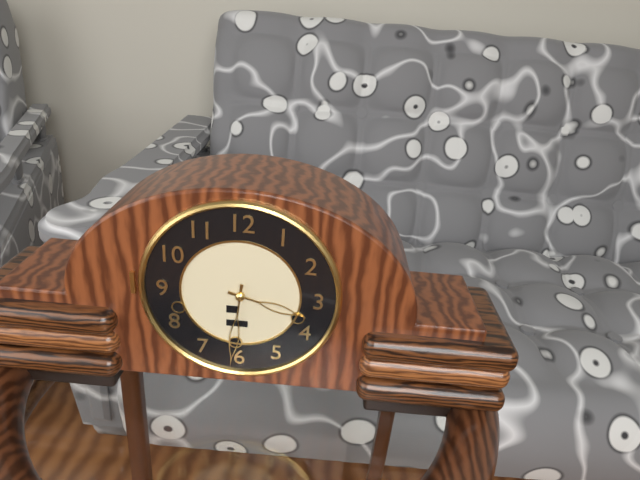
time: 3:31
